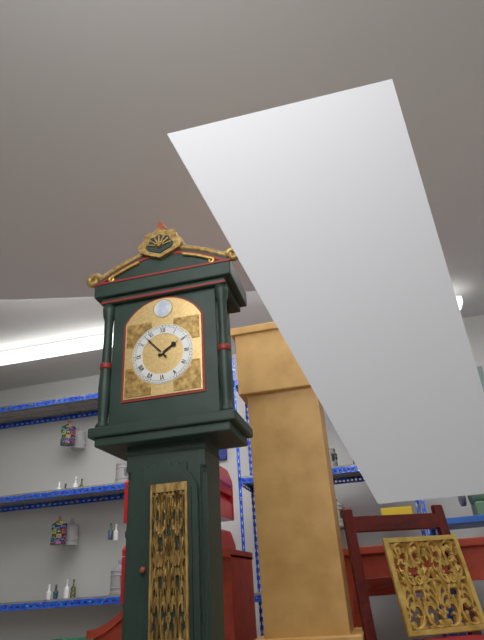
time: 1:53
